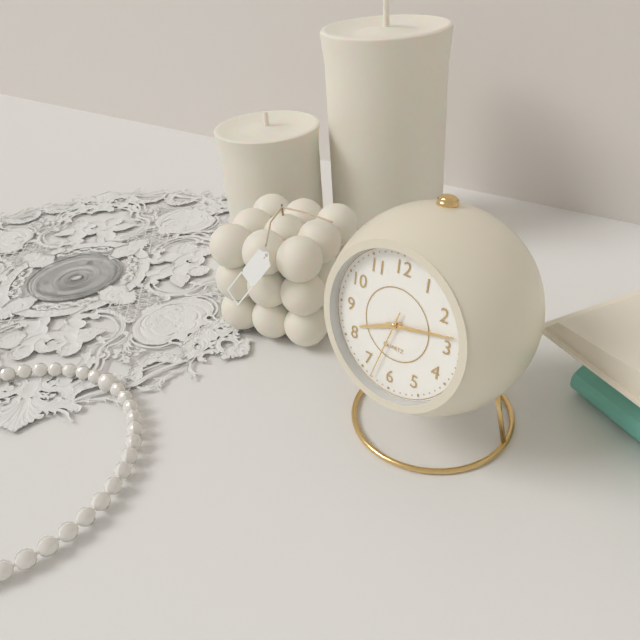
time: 8:13:33
